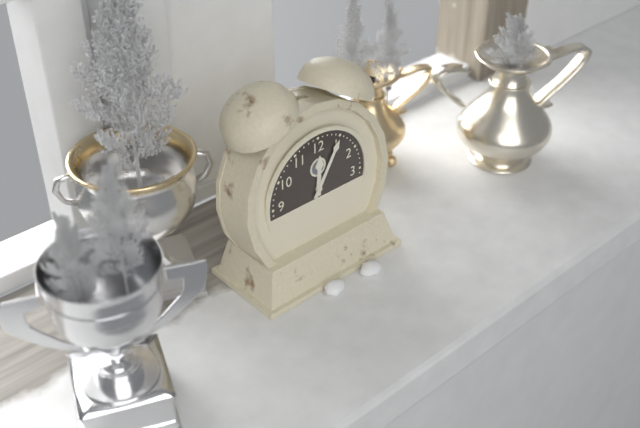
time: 12:05
